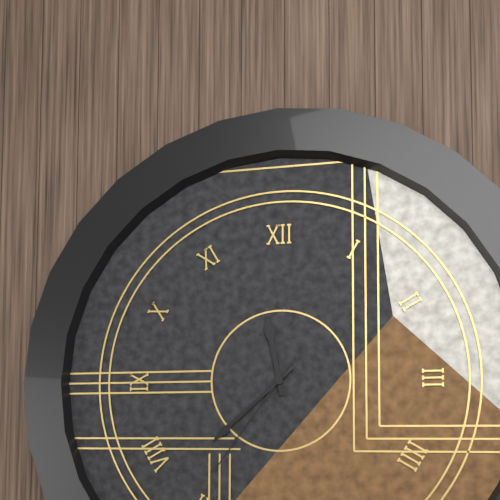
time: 11:38:36
